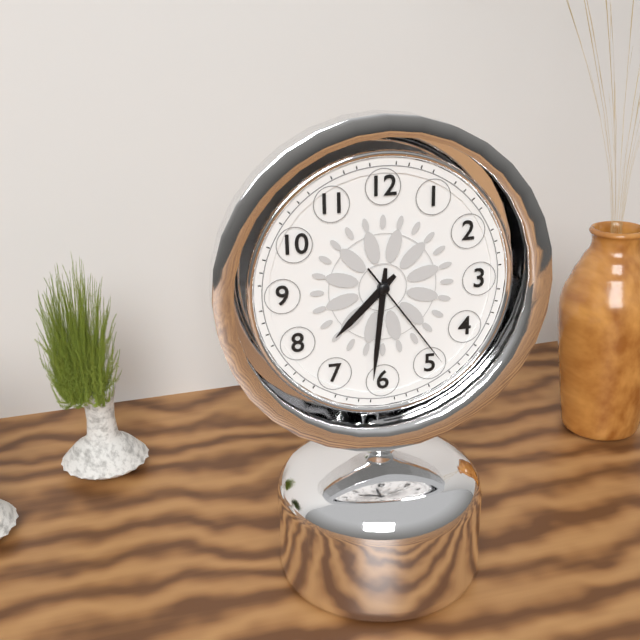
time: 7:31:24
